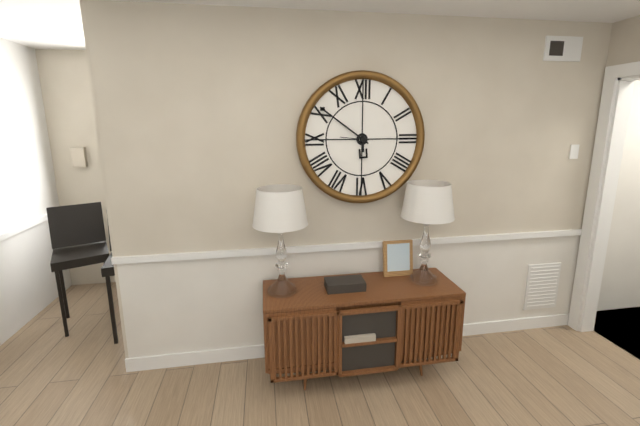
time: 5:51
